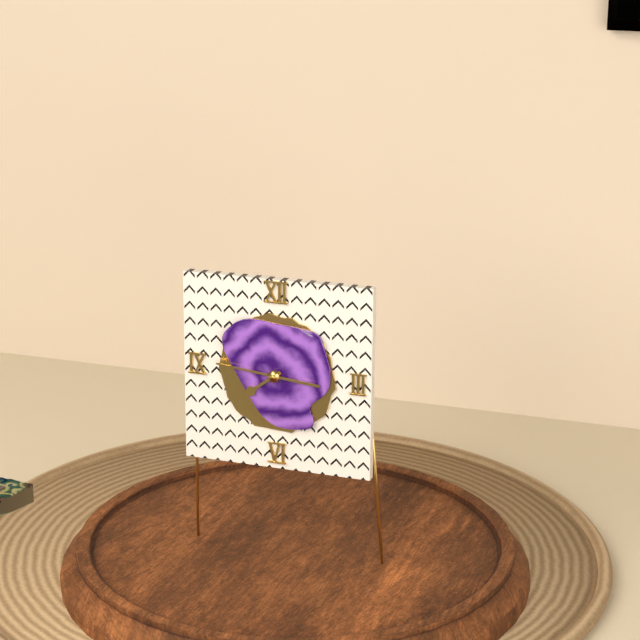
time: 7:46
